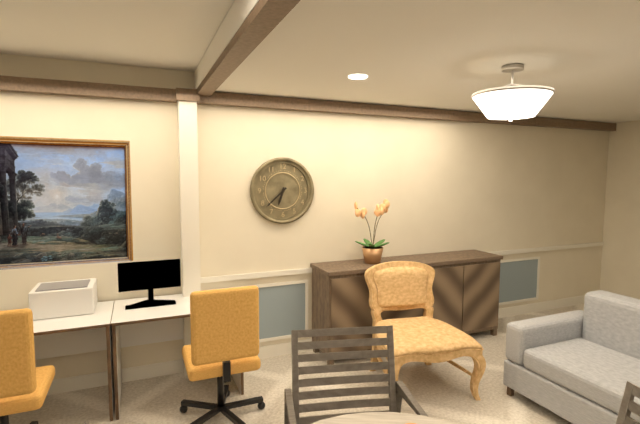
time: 6:38
